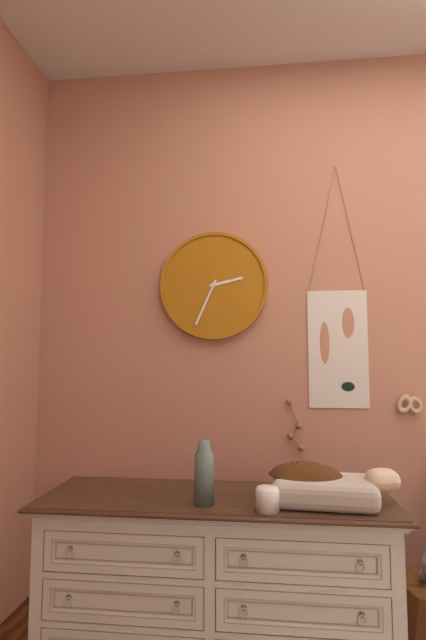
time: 2:34
